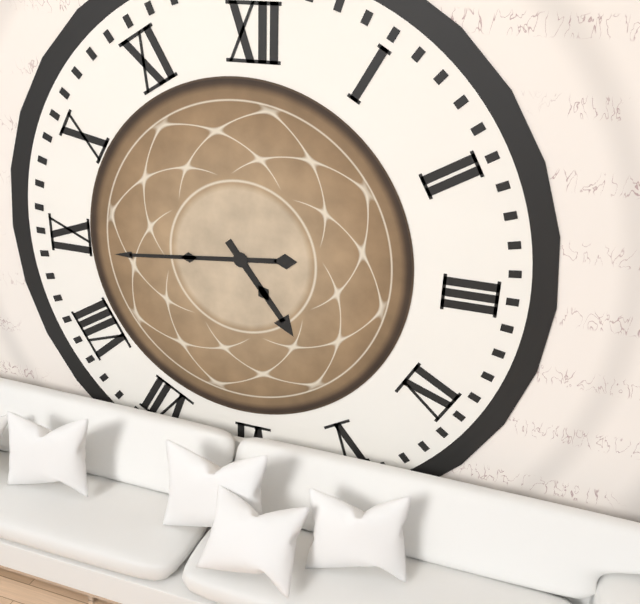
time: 4:44
